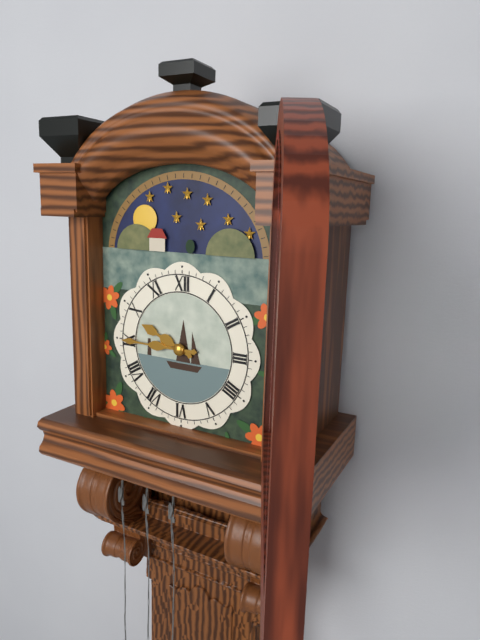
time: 9:45
